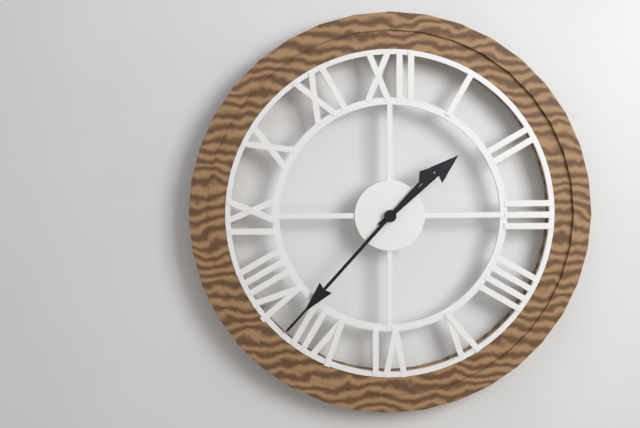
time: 1:37
